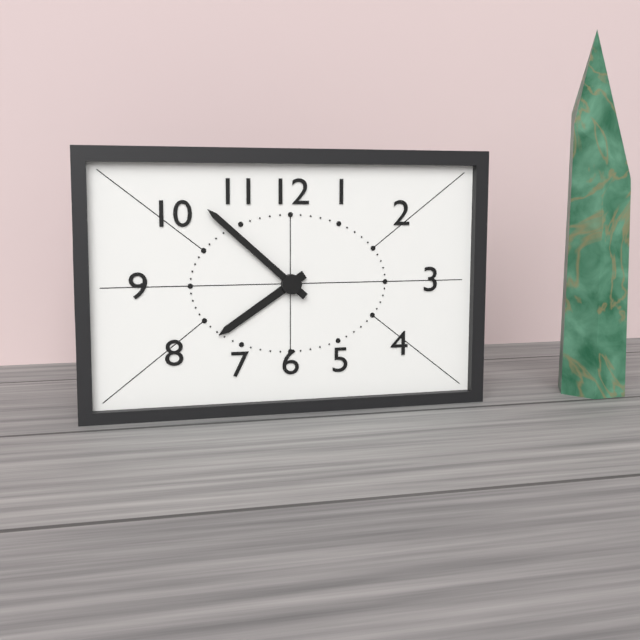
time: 7:52
